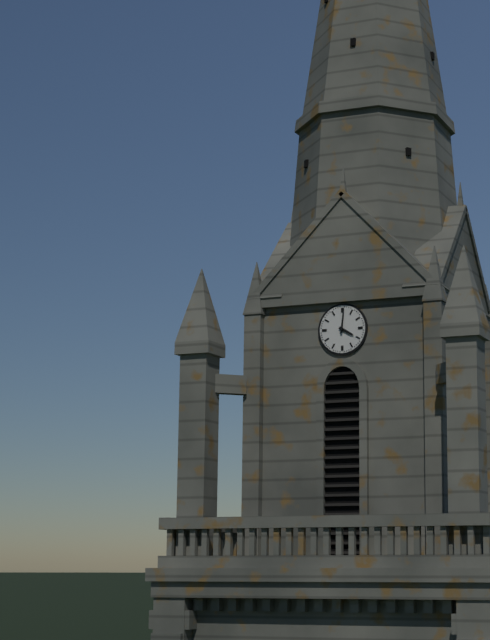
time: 4:01
